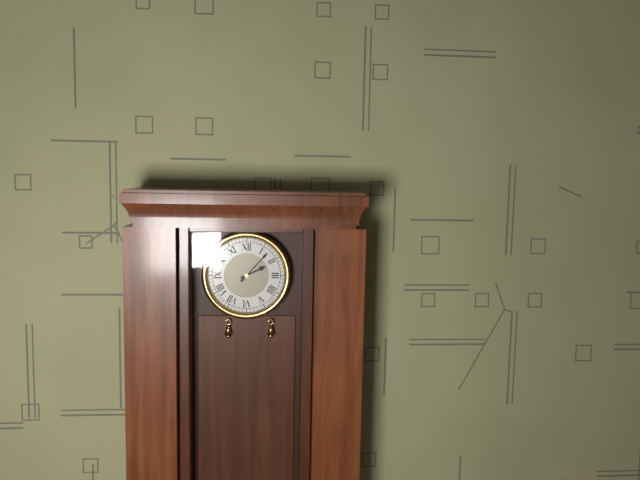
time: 2:07
